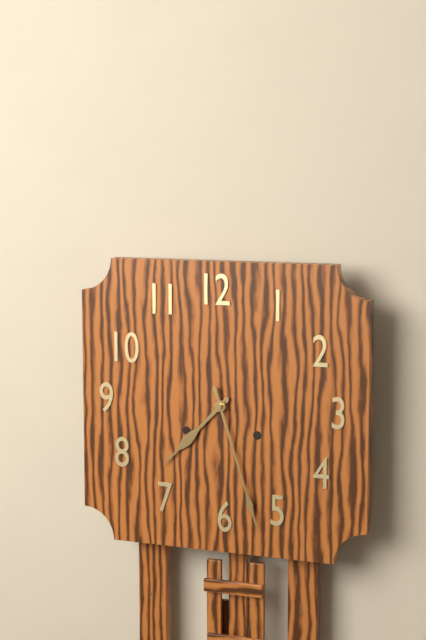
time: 7:27
